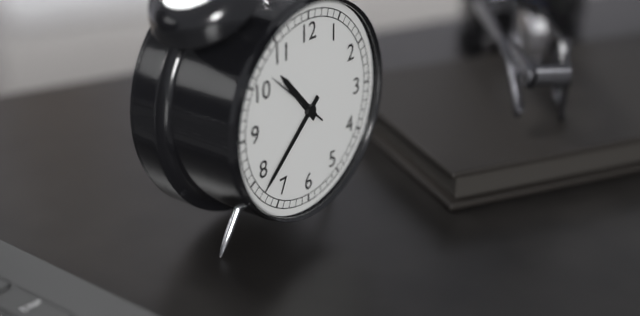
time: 10:38:52
